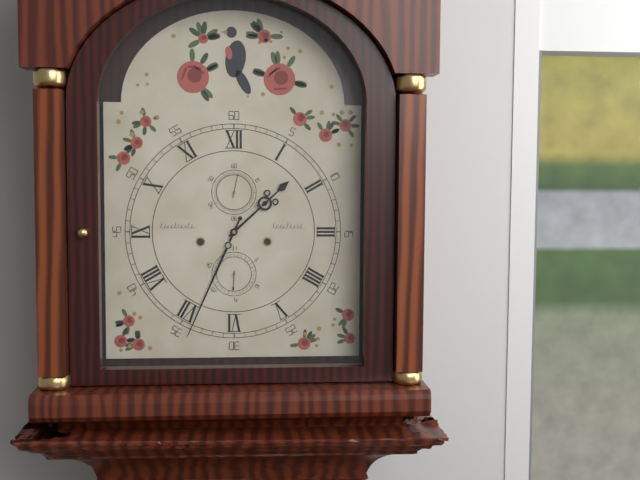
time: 1:34
